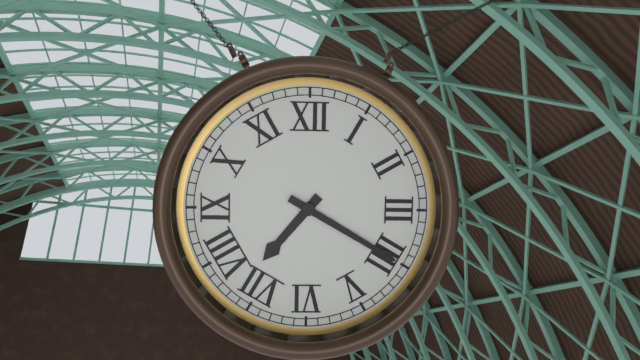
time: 7:20
